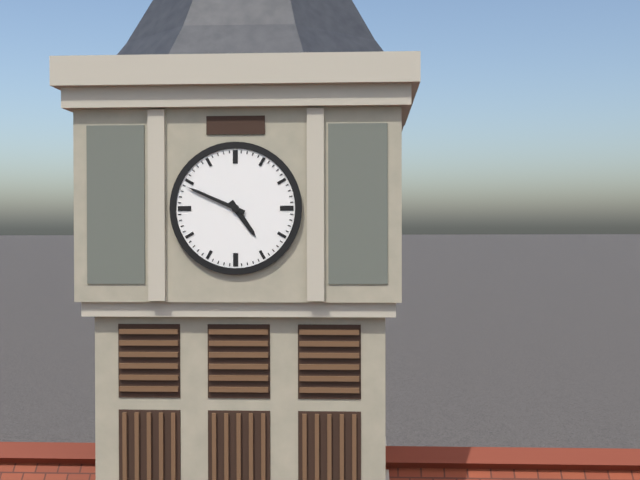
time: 4:49
